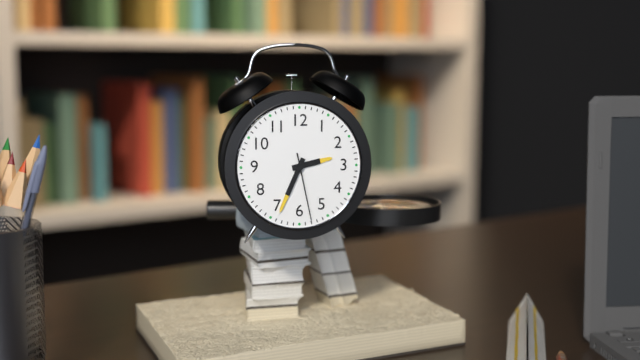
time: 2:34:28
